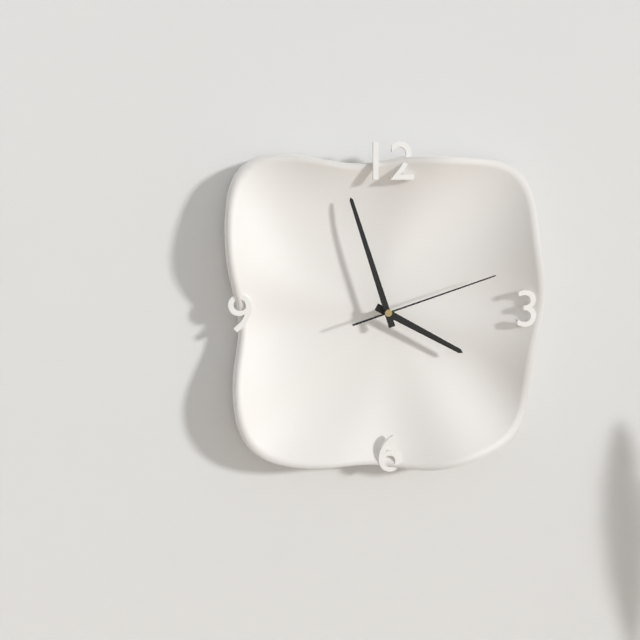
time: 3:57:12
